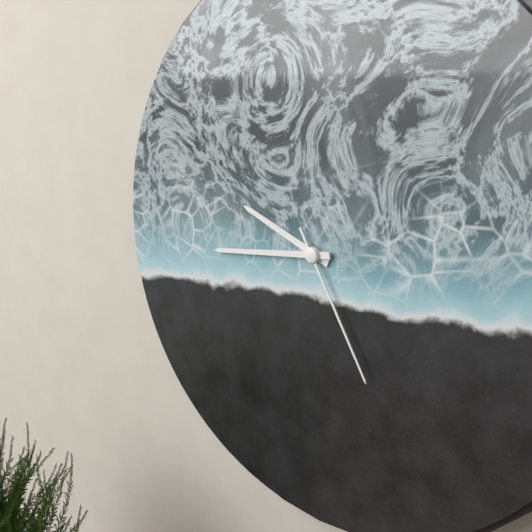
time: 9:44:25
